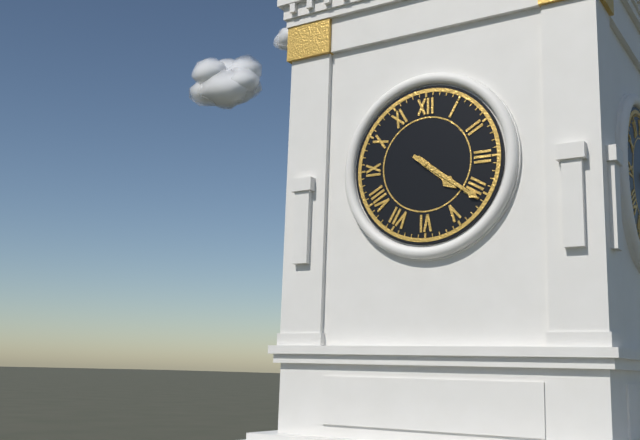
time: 4:21
